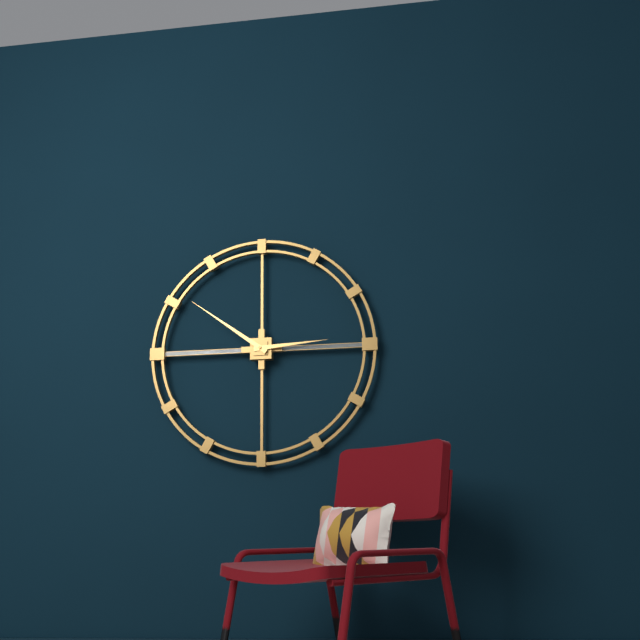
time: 2:51
